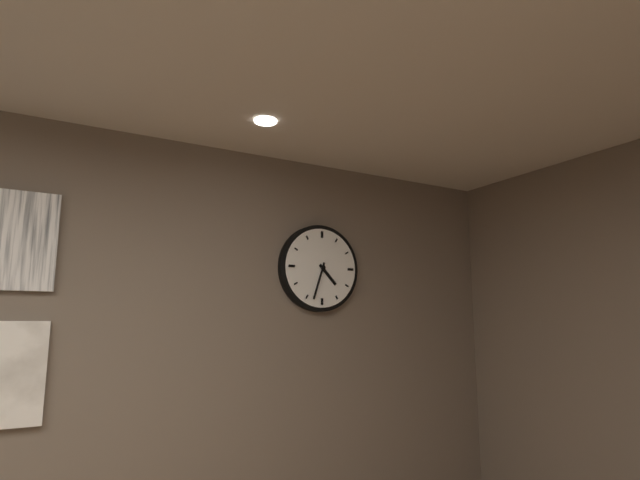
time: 4:33
